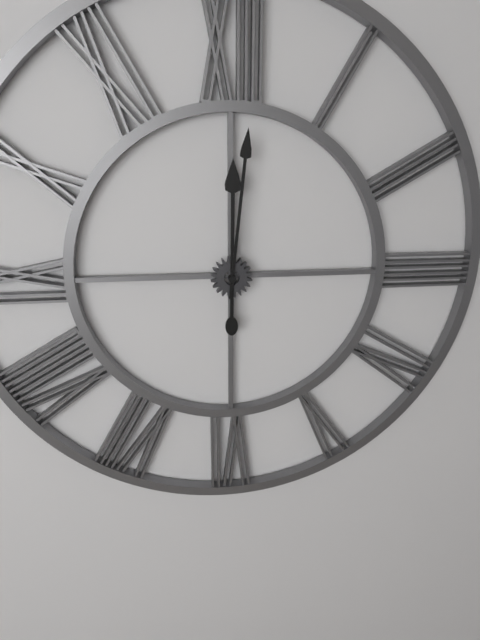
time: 12:01
